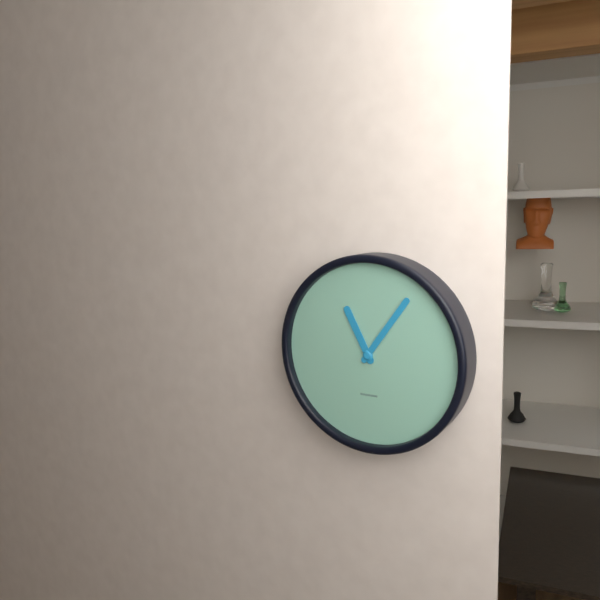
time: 11:06
